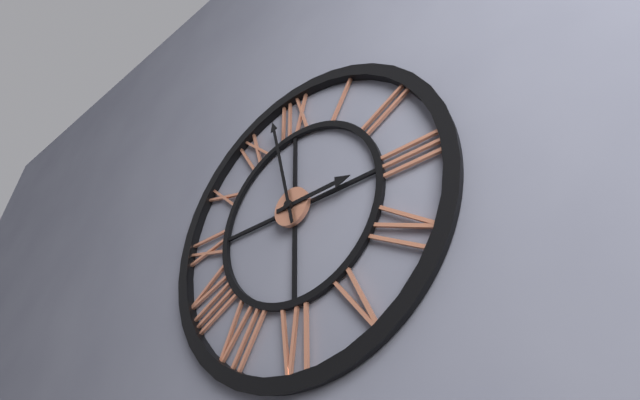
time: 2:58
